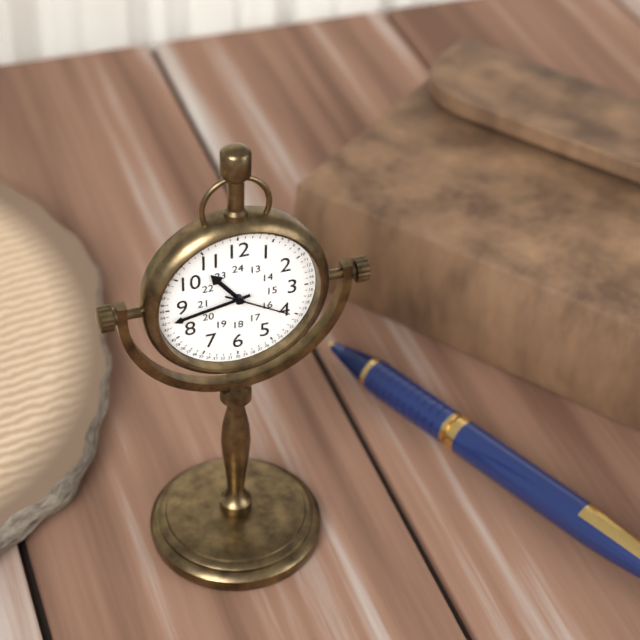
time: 10:43:20
